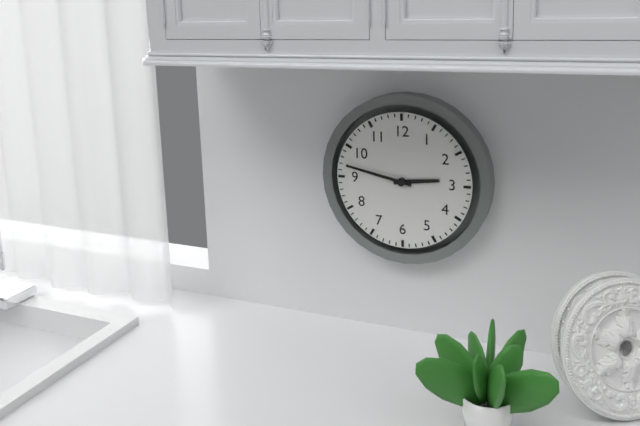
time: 2:47
